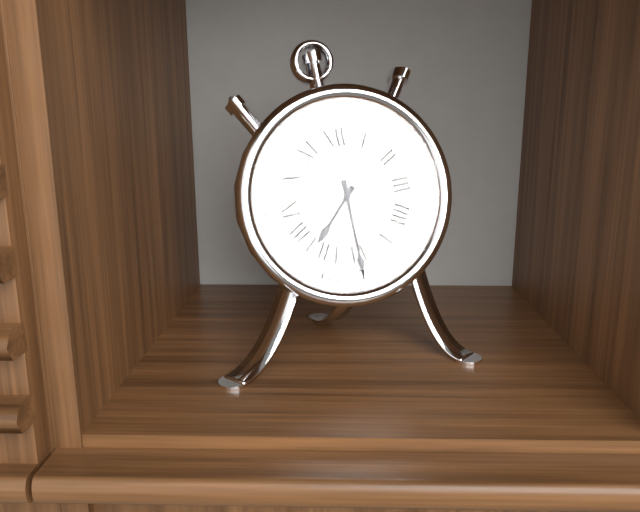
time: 7:30
